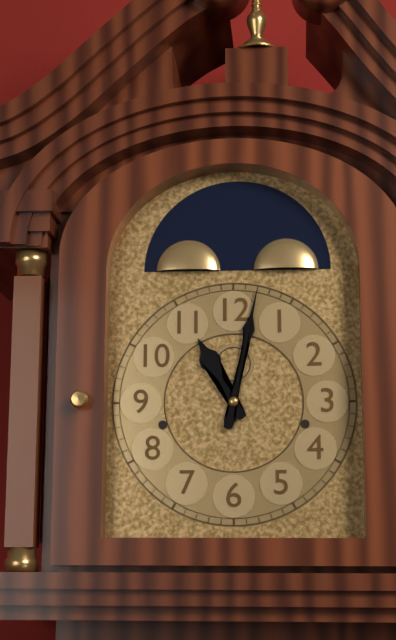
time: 11:02
